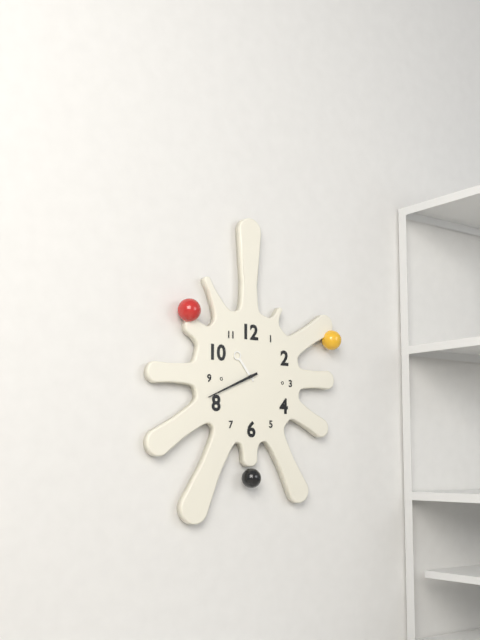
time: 10:41
